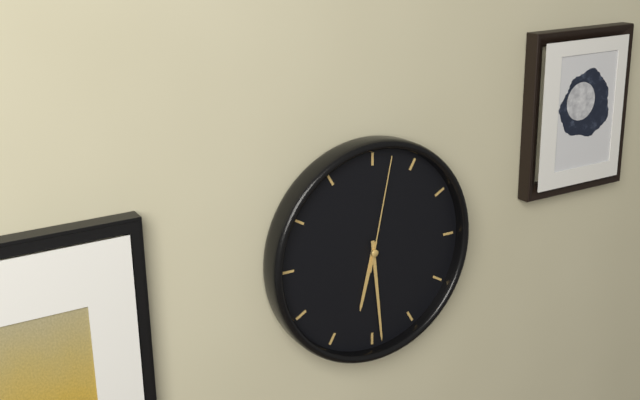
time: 6:29:02
